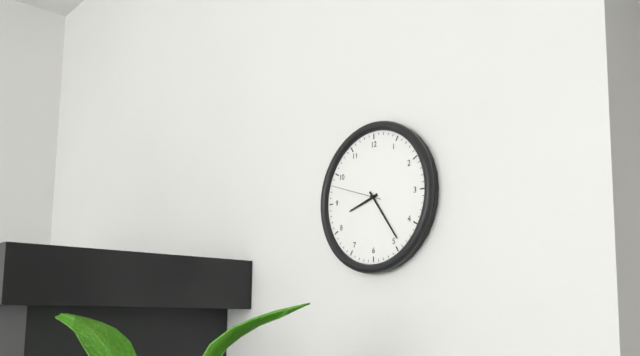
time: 8:24:48
